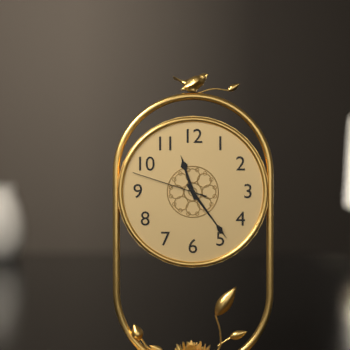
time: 11:24:48
